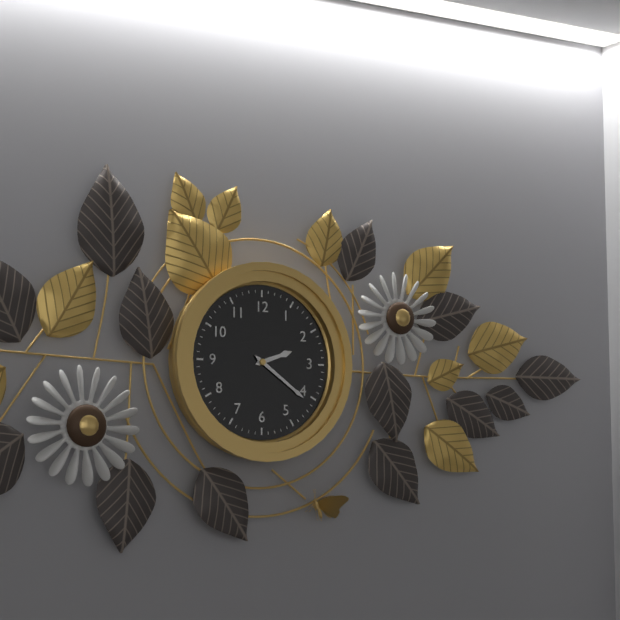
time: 2:21
